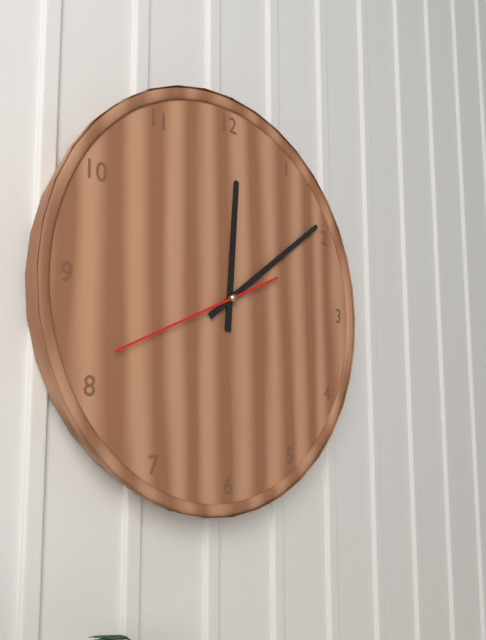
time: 12:09:41
